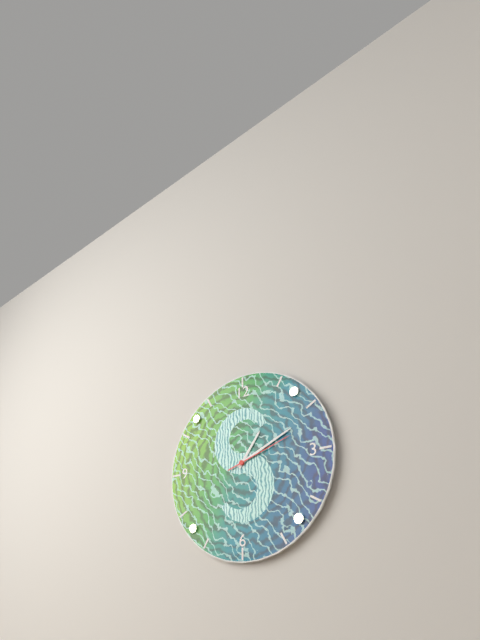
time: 1:11:12
